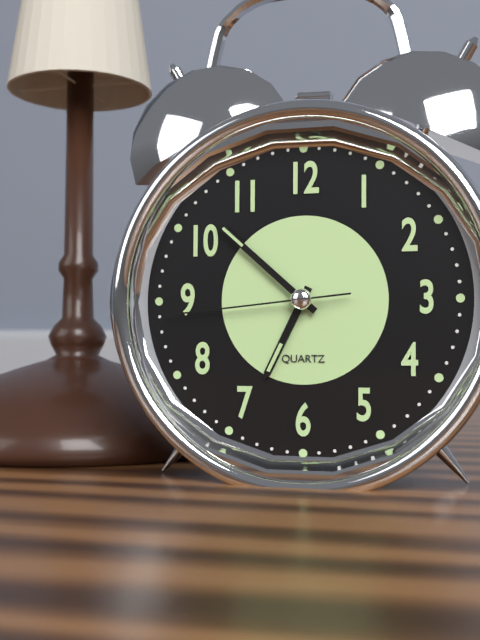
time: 6:52:44
